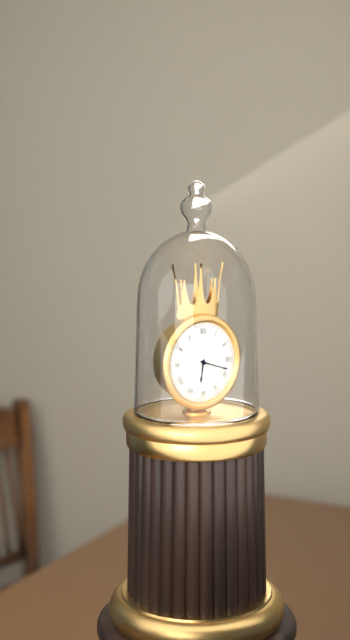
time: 6:18
